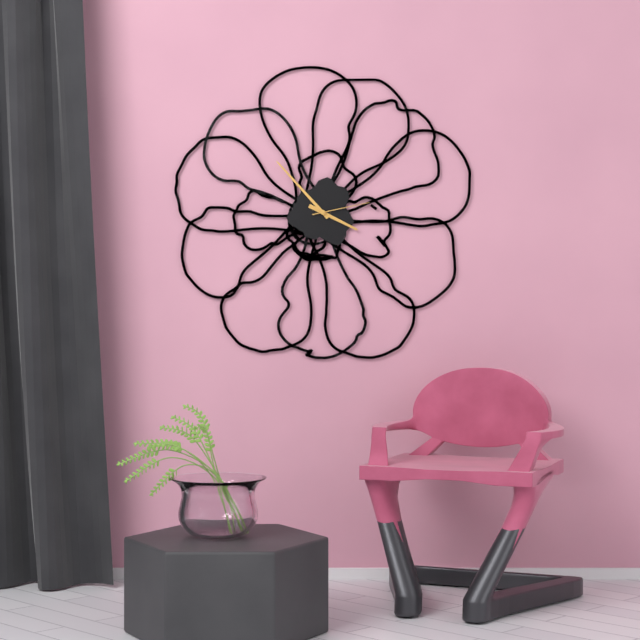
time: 3:53:13
